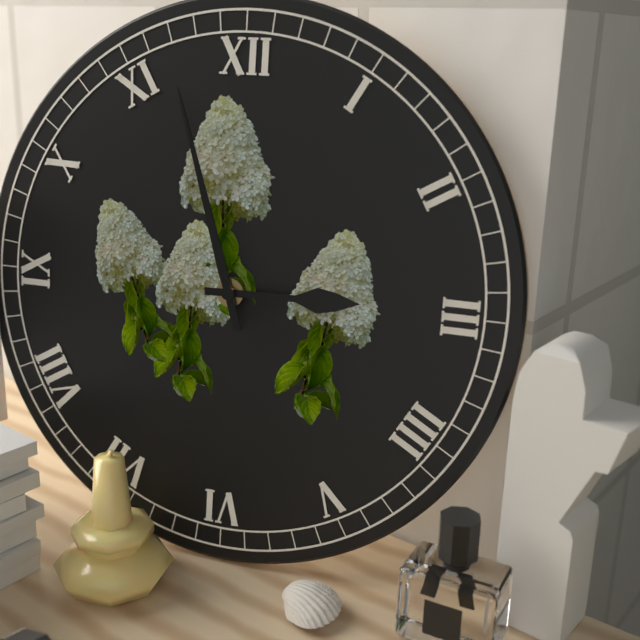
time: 2:57
